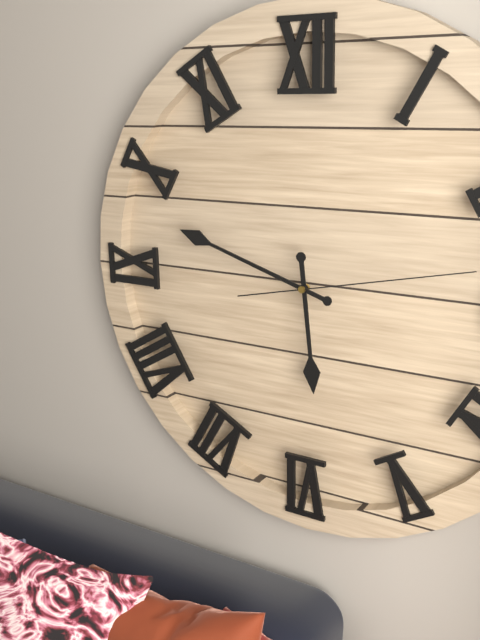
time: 5:48:13
